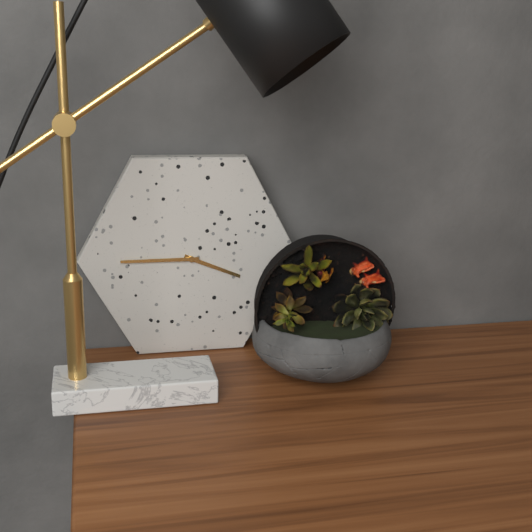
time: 3:45
